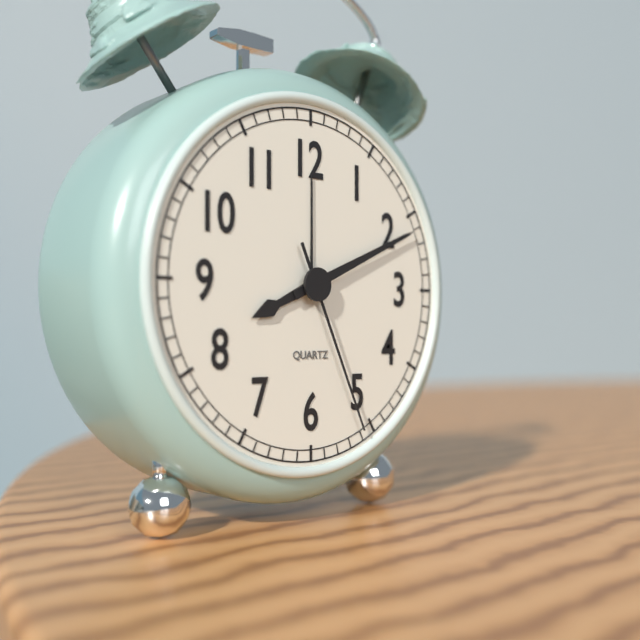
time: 8:11:26
